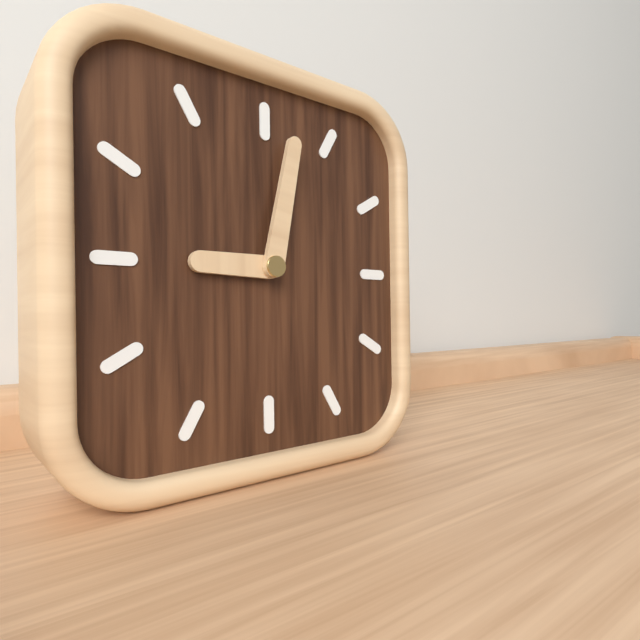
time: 9:02
